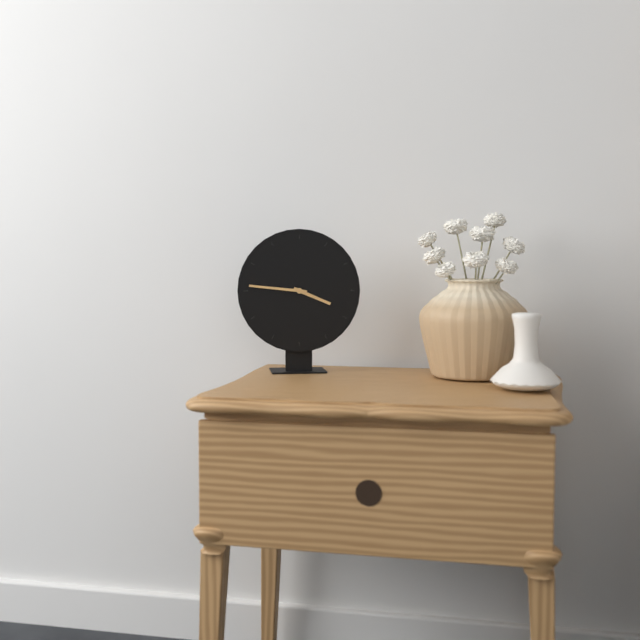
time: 3:46
